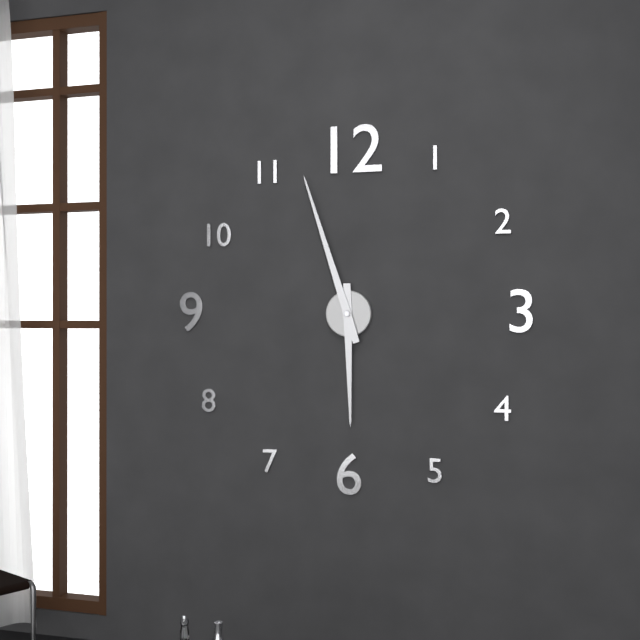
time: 5:57
